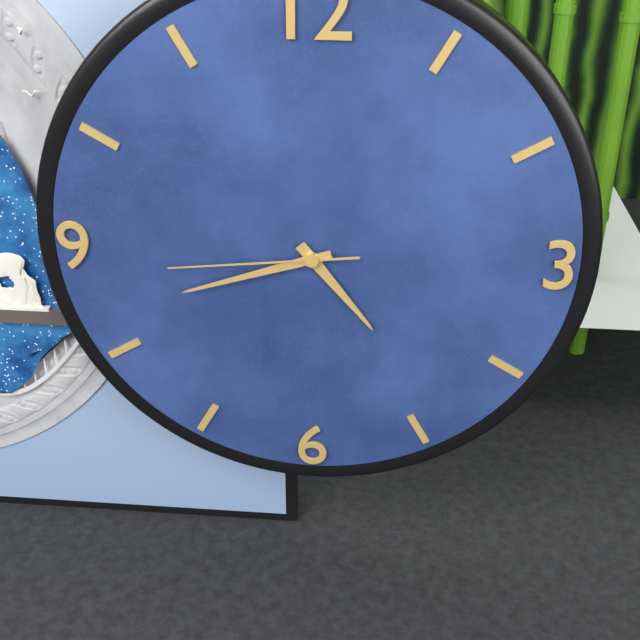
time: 4:42:44
